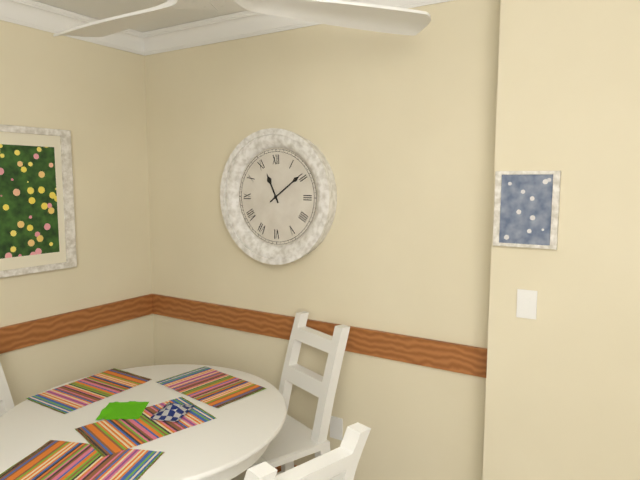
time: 11:09
